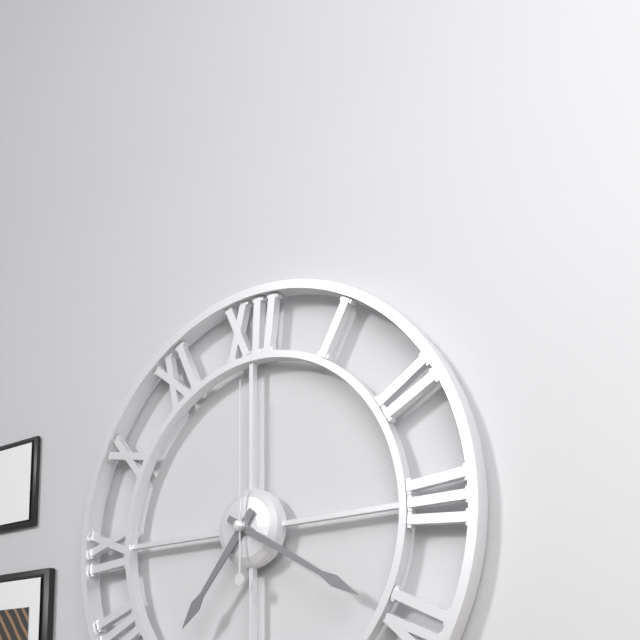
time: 7:20:00
